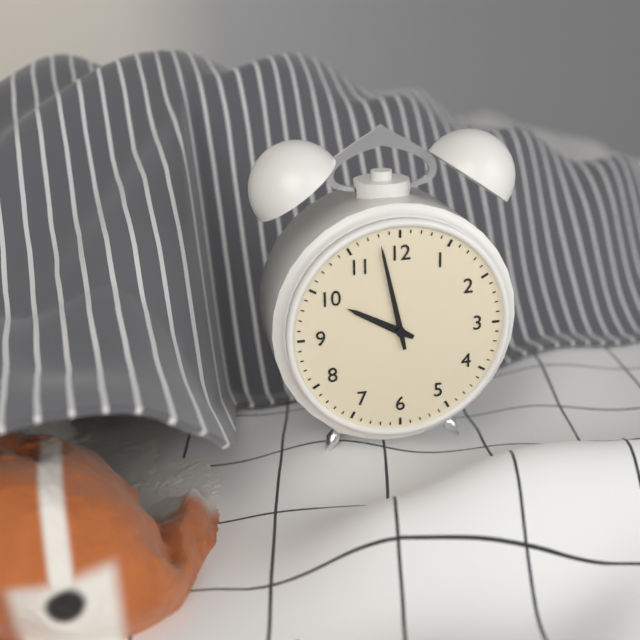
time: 9:58
